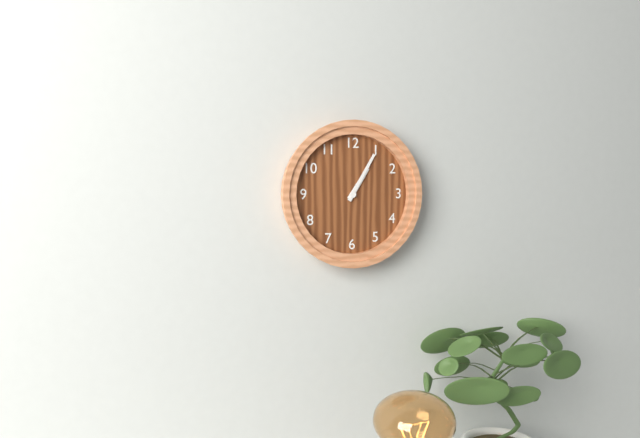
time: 1:05
